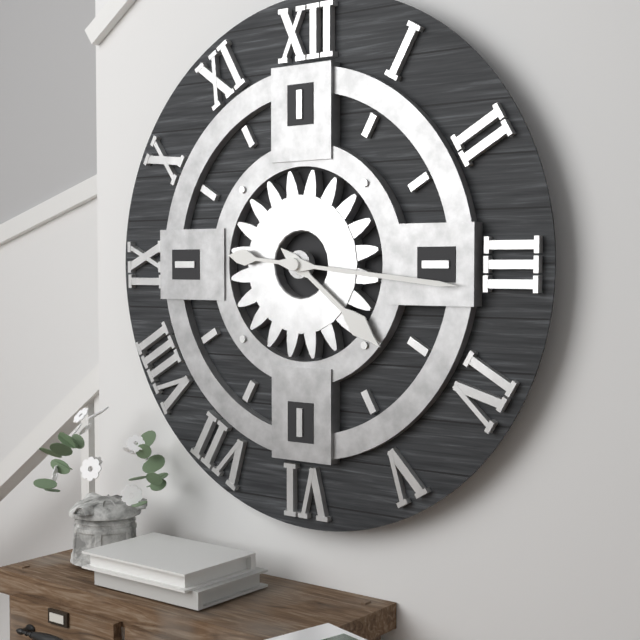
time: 4:16
